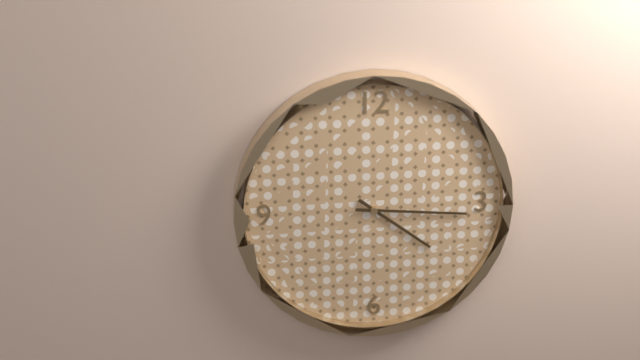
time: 4:16
